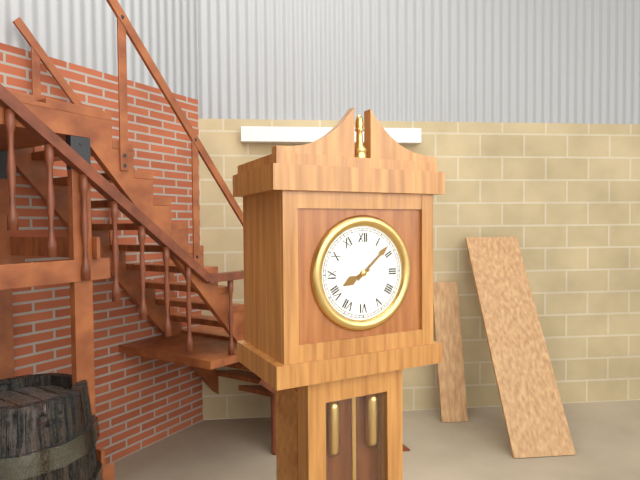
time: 8:08
